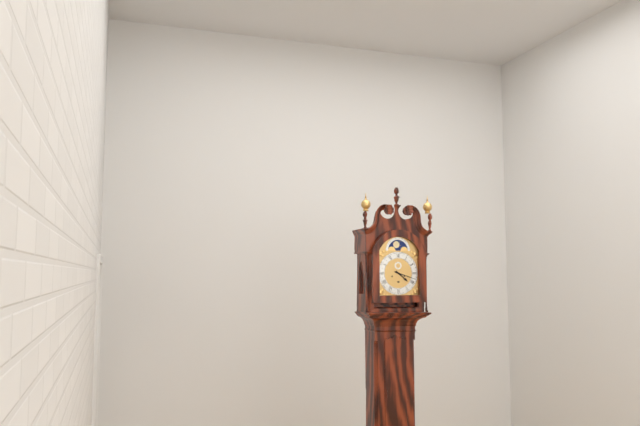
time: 4:18
